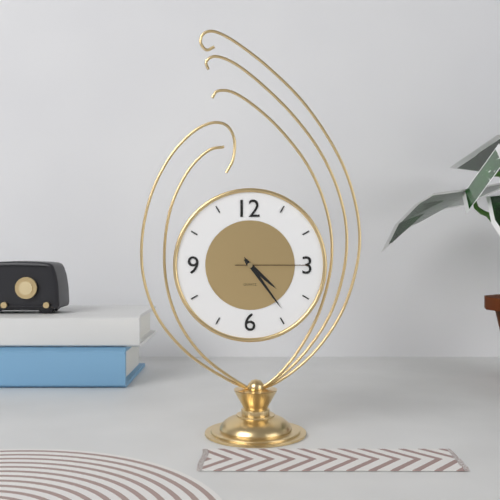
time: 4:24:15
